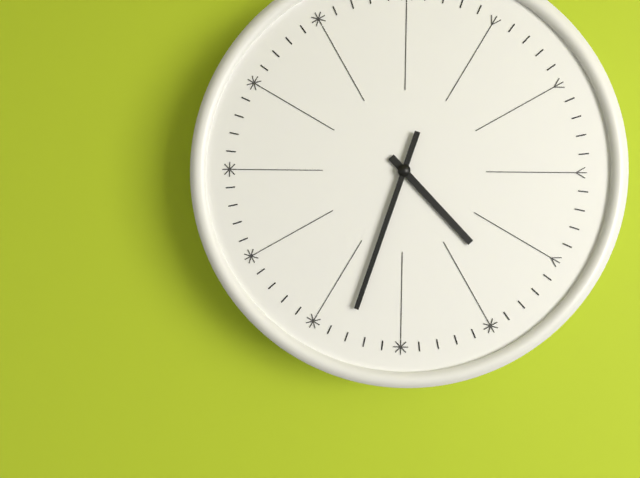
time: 4:33
